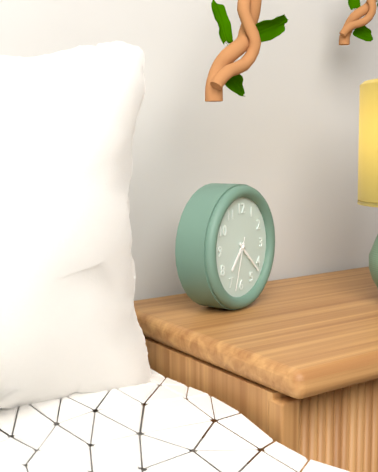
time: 7:22:33
